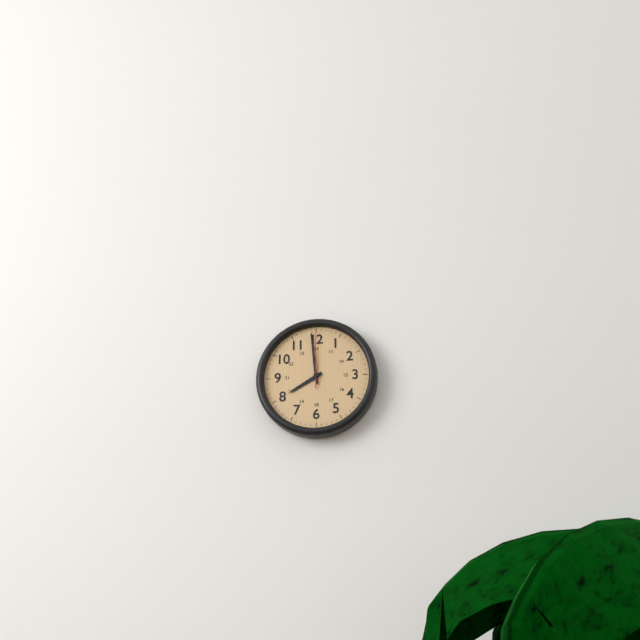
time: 7:59:00
